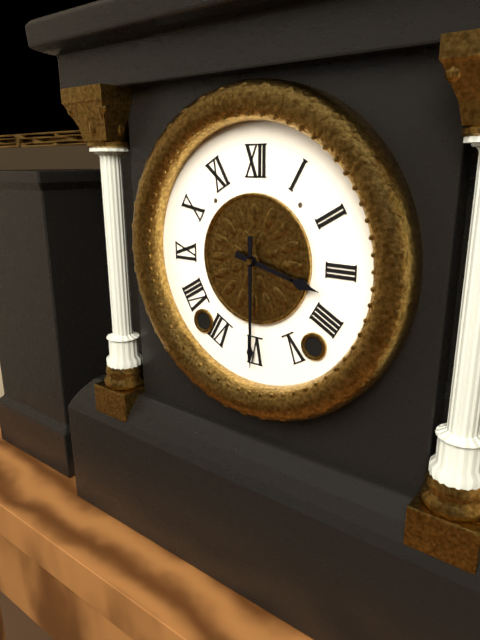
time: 3:30
